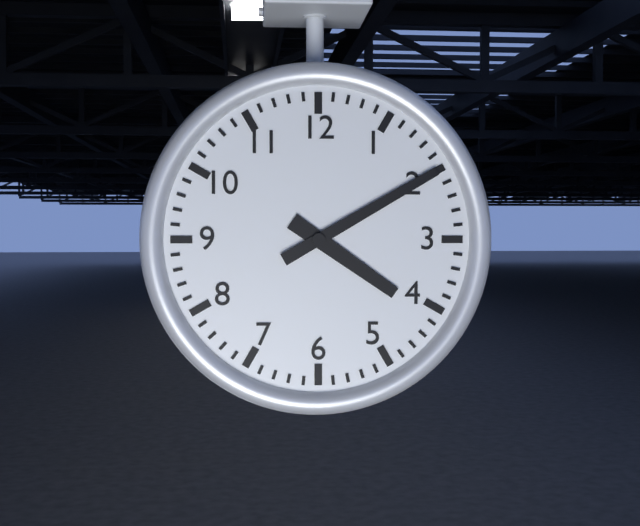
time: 4:10
